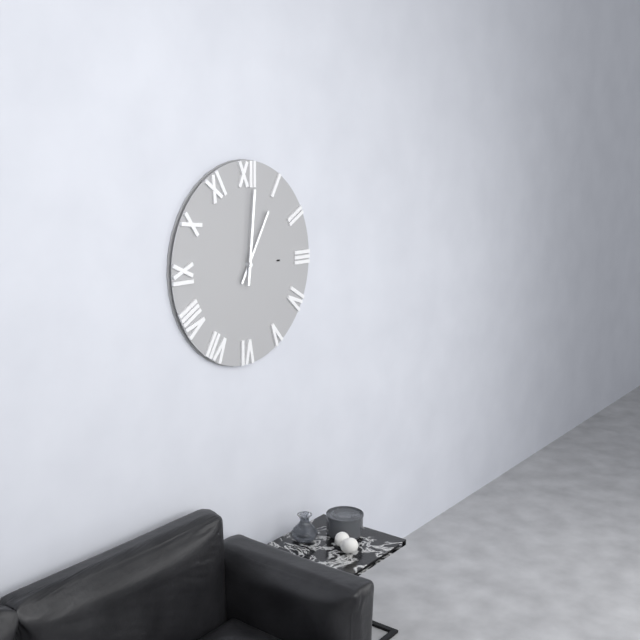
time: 1:01
